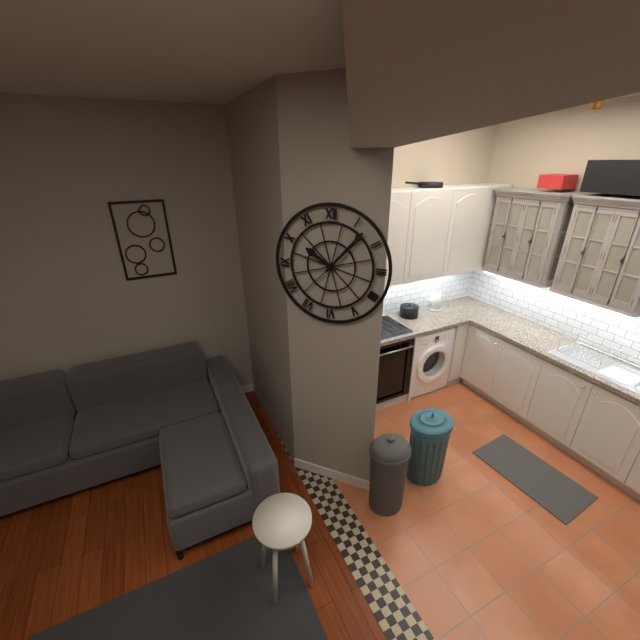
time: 10:07
